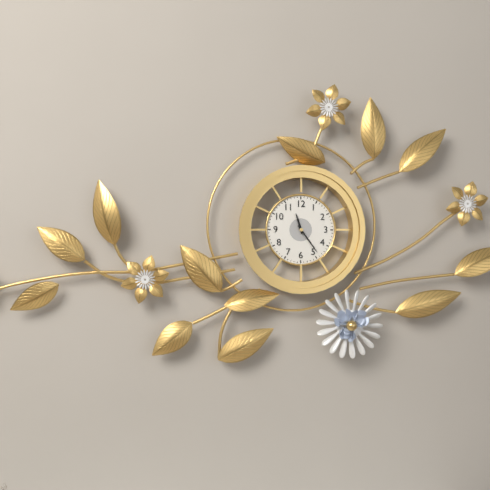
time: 11:24
